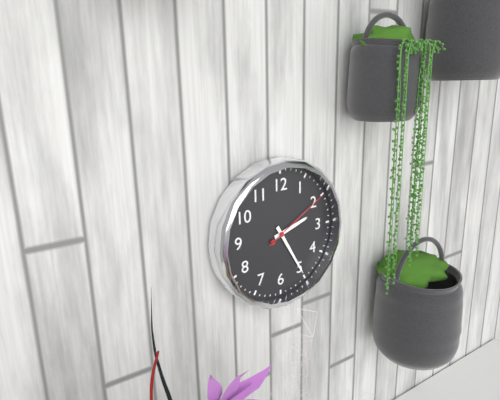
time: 2:25:10
